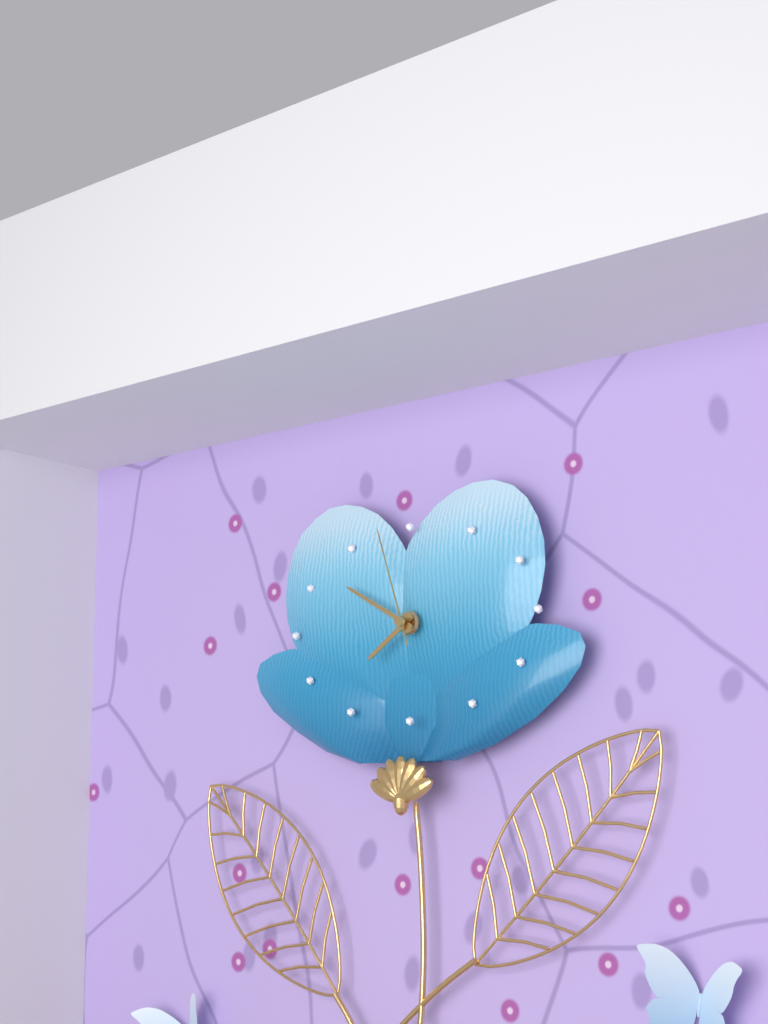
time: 7:50:57
